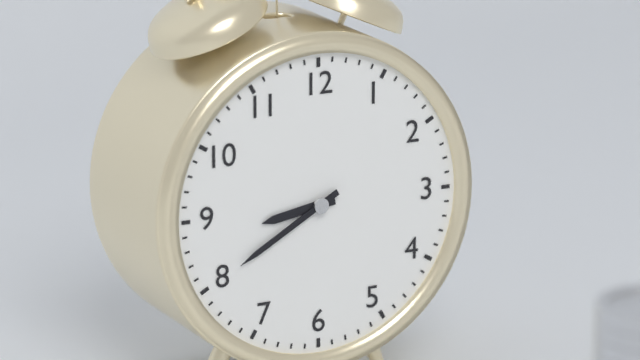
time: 8:40
